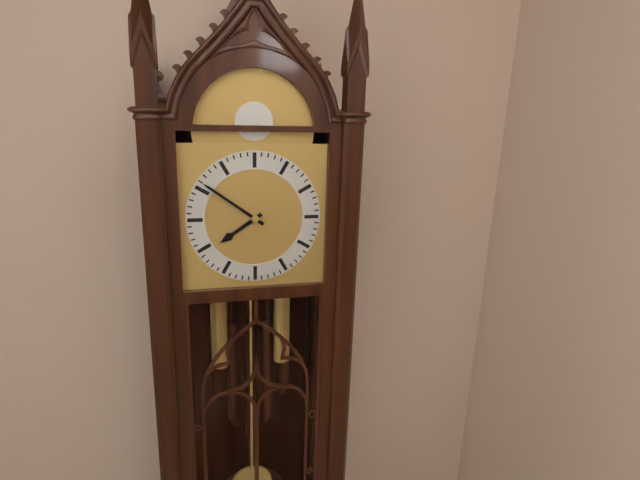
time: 7:51
